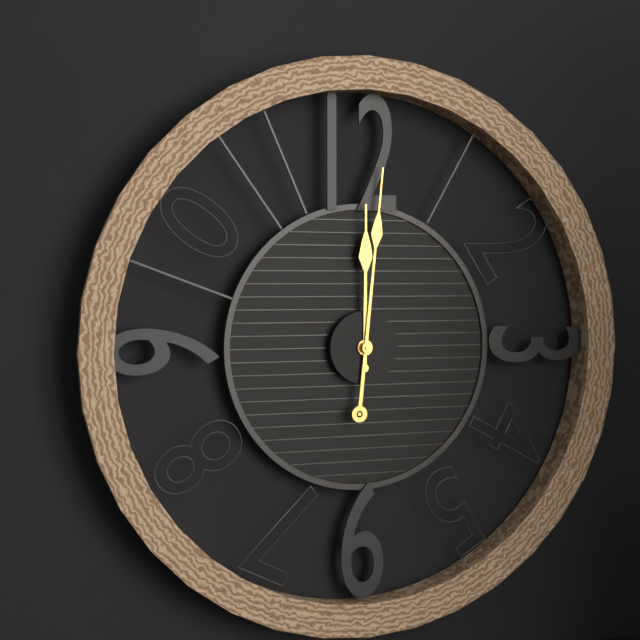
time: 12:01
